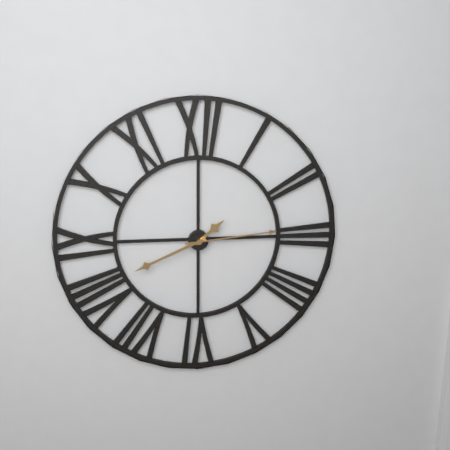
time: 1:41:14
